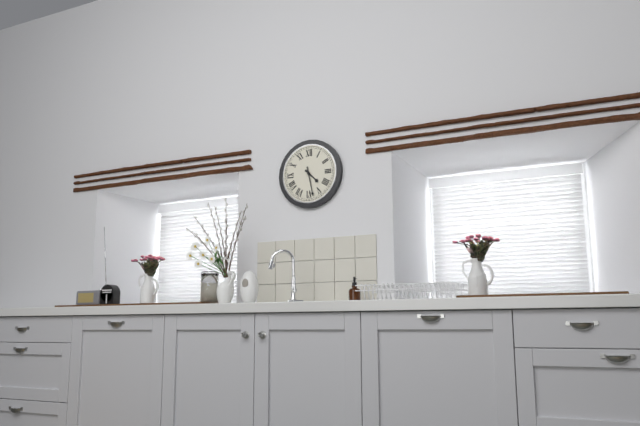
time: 4:28
